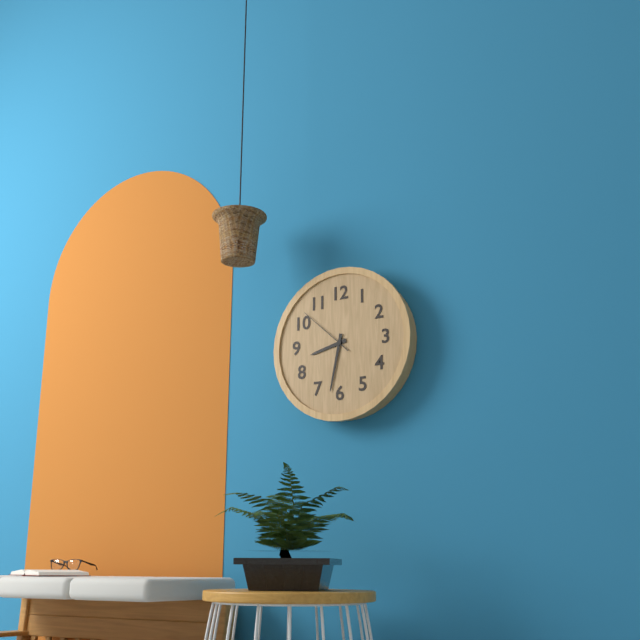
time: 8:32:52
